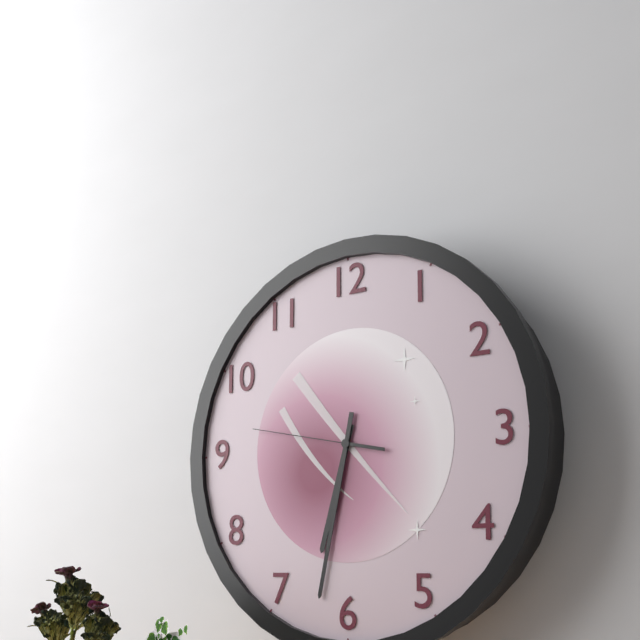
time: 6:32:47
